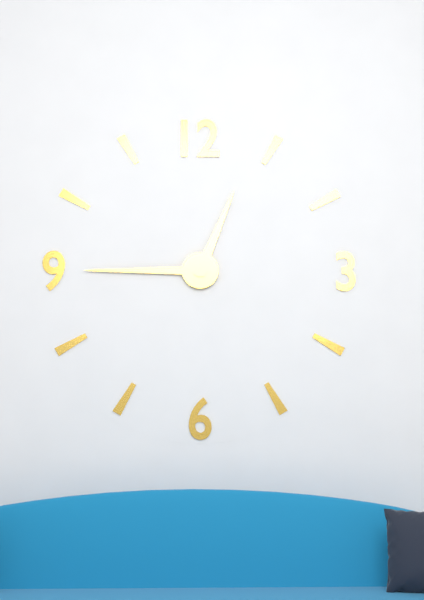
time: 12:45
